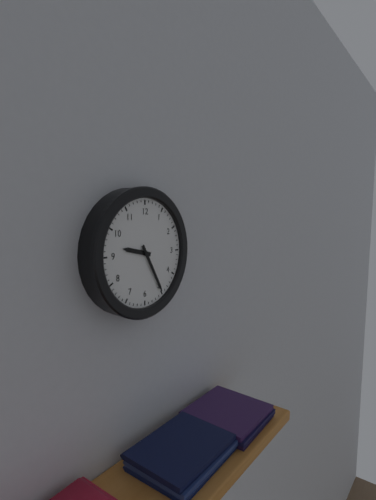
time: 9:25
